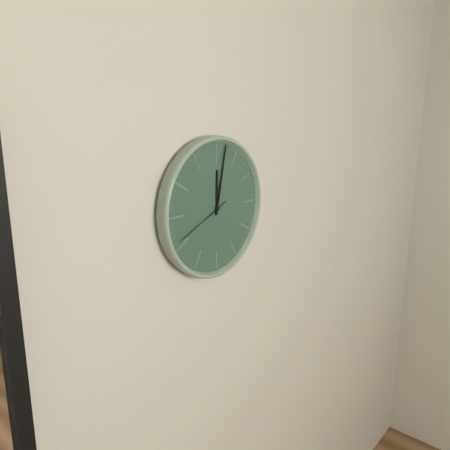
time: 12:02:41
